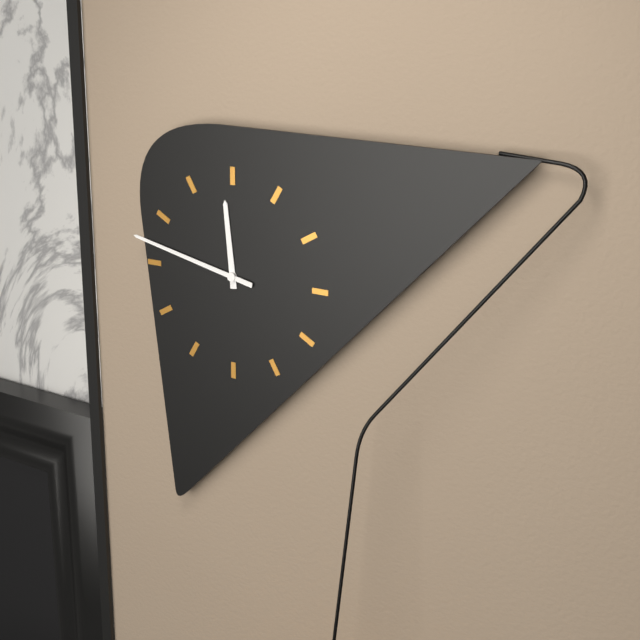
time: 11:47
